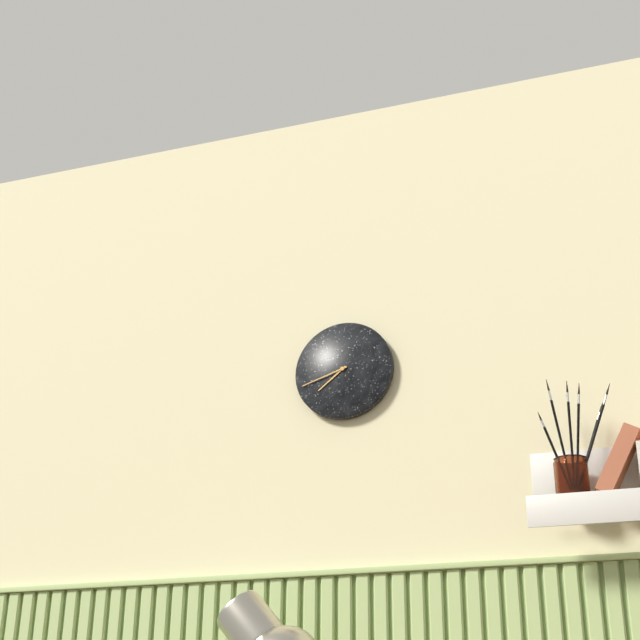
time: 7:42
